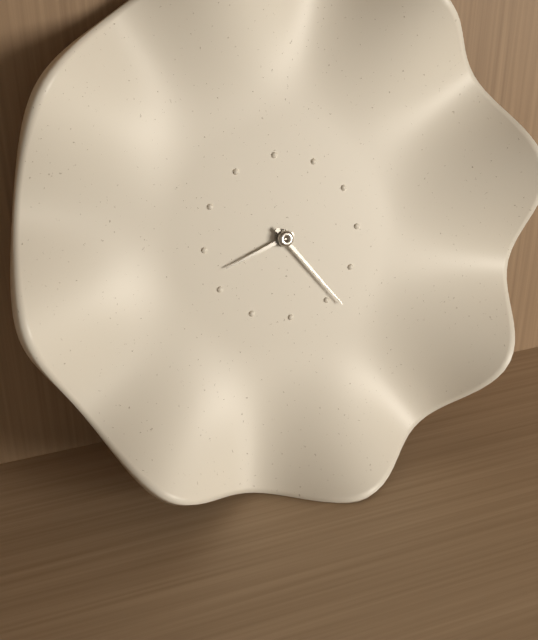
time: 8:24
